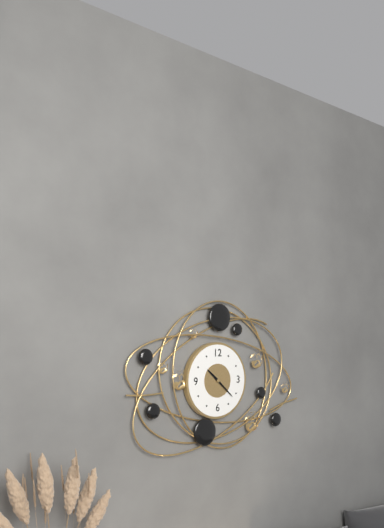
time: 10:22
